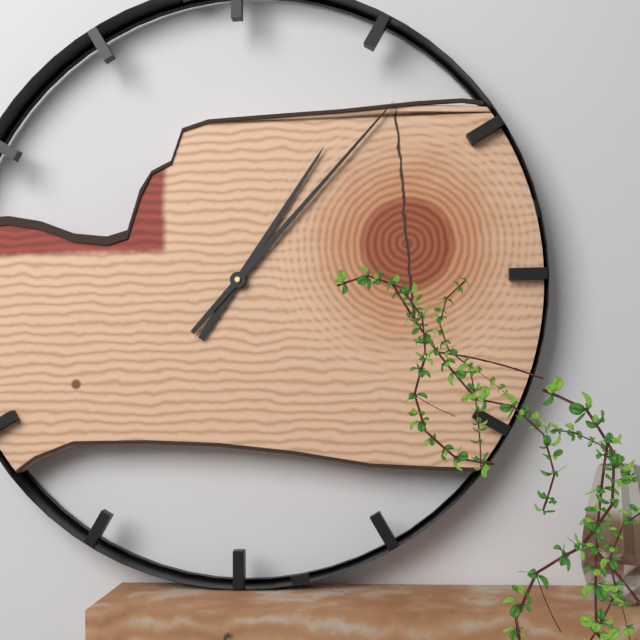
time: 1:07
